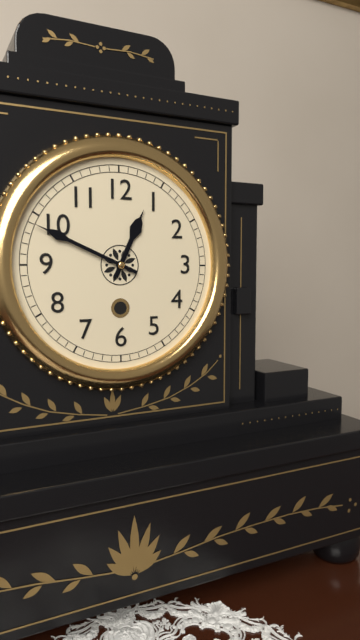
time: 12:49
